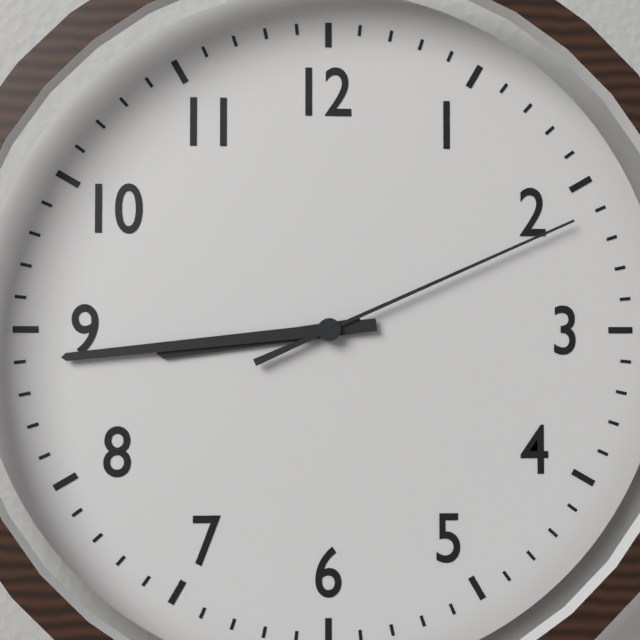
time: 8:44:11
